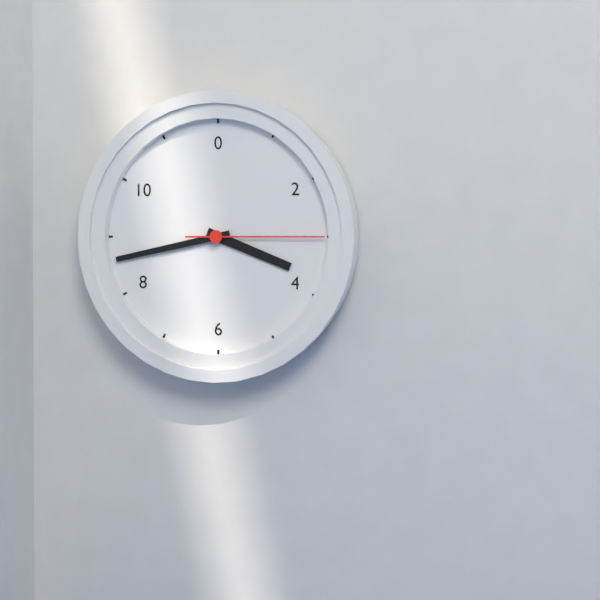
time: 3:43:15
